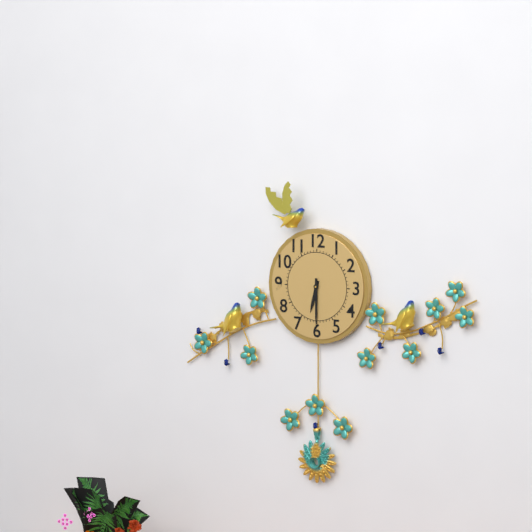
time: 6:30
